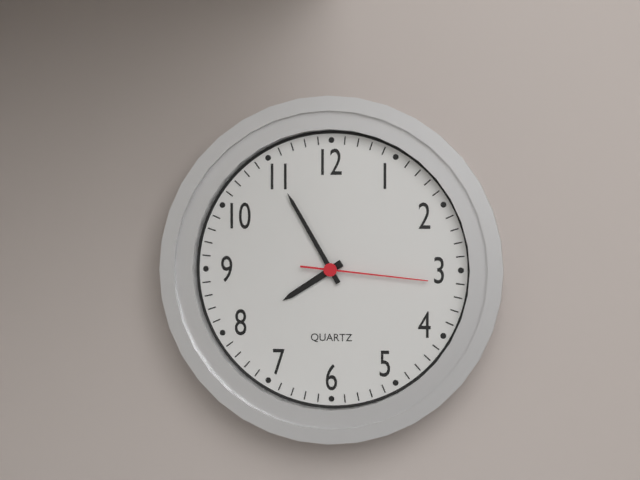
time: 7:55:16
